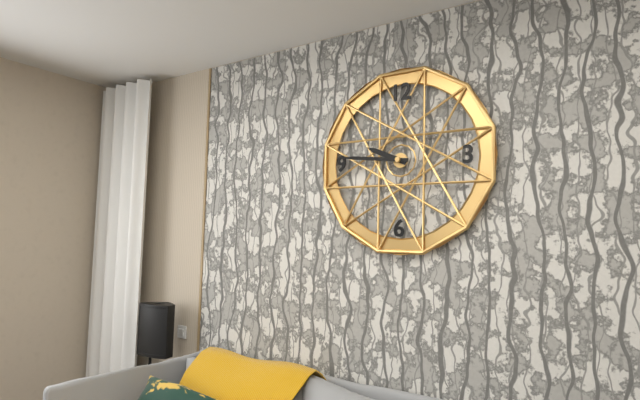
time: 9:46
